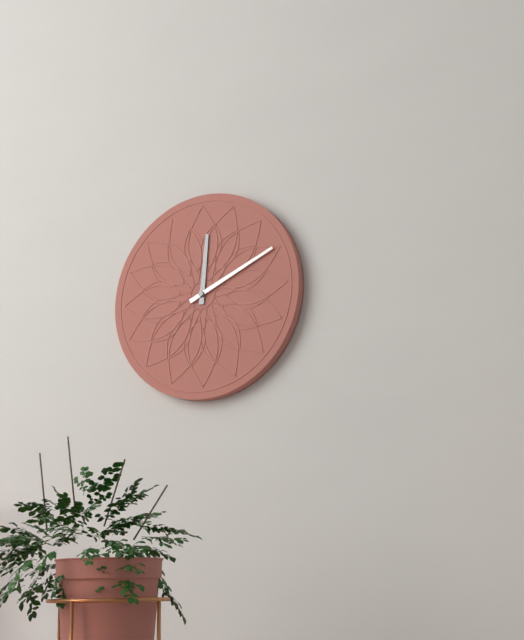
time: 12:11
